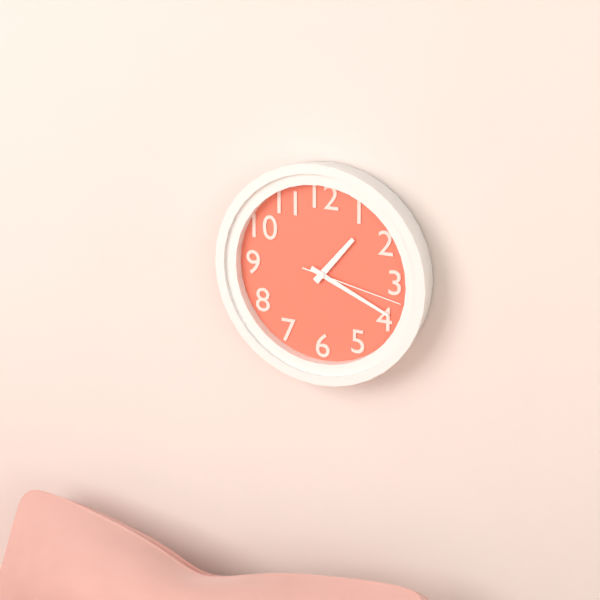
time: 1:19:17
